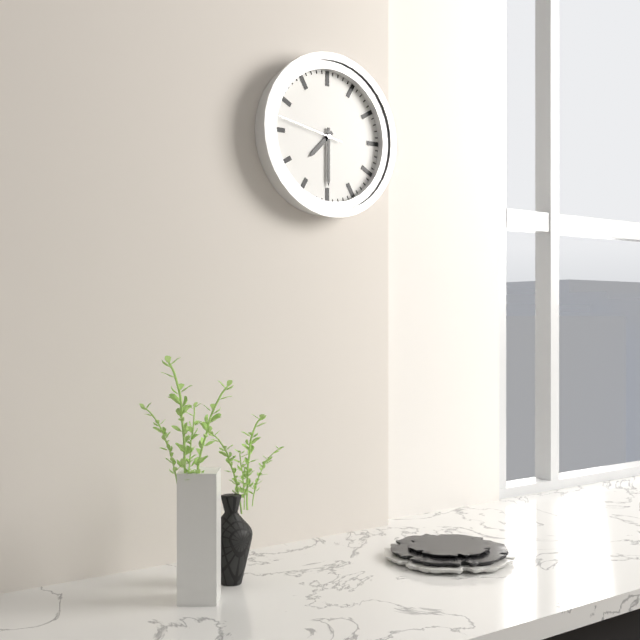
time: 7:30:47
